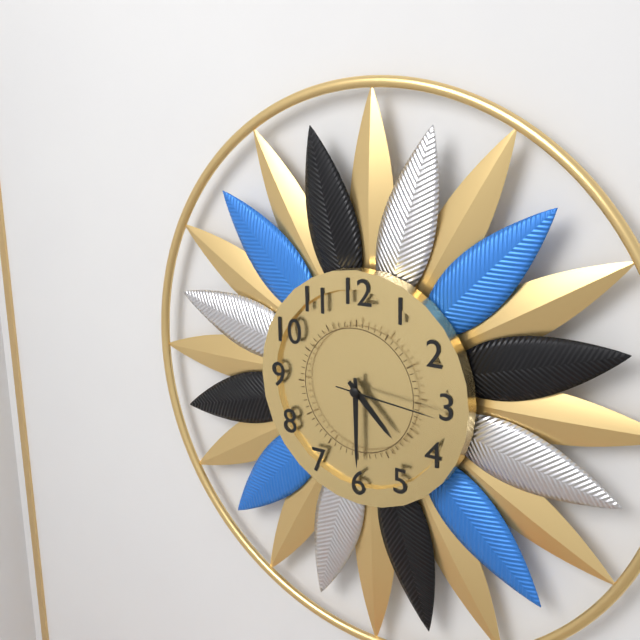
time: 4:30:16
